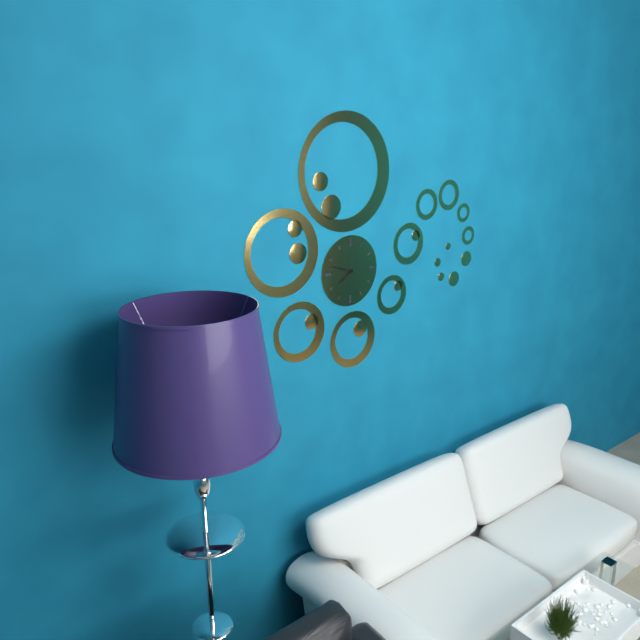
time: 7:48
